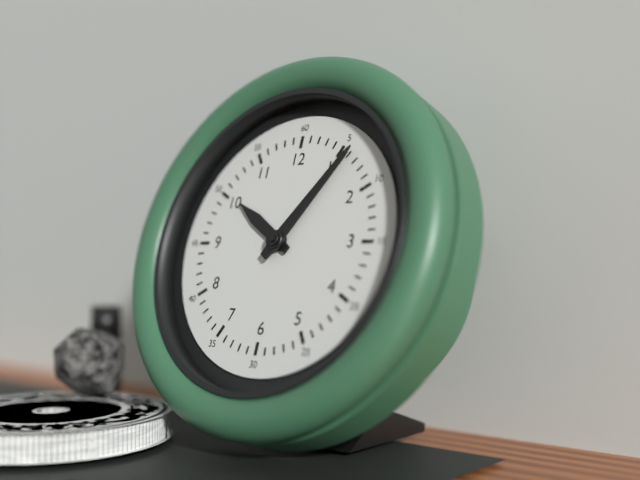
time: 10:06
